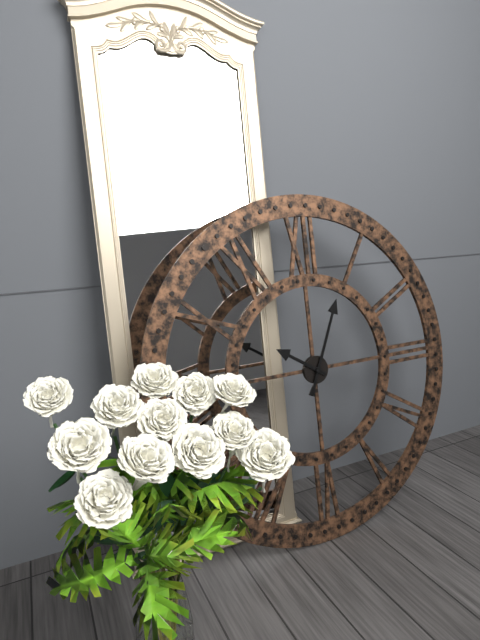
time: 10:04
